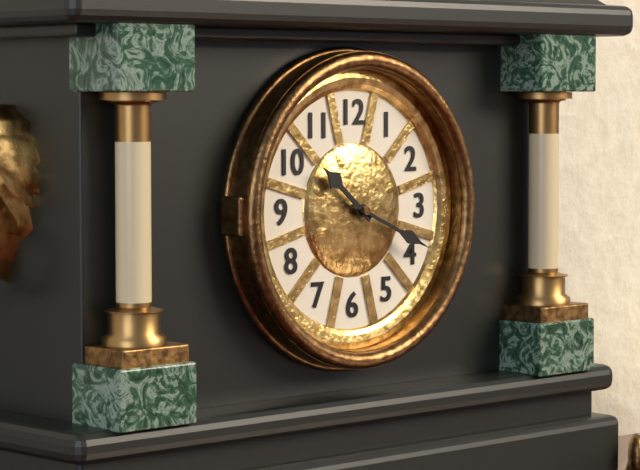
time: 10:19
